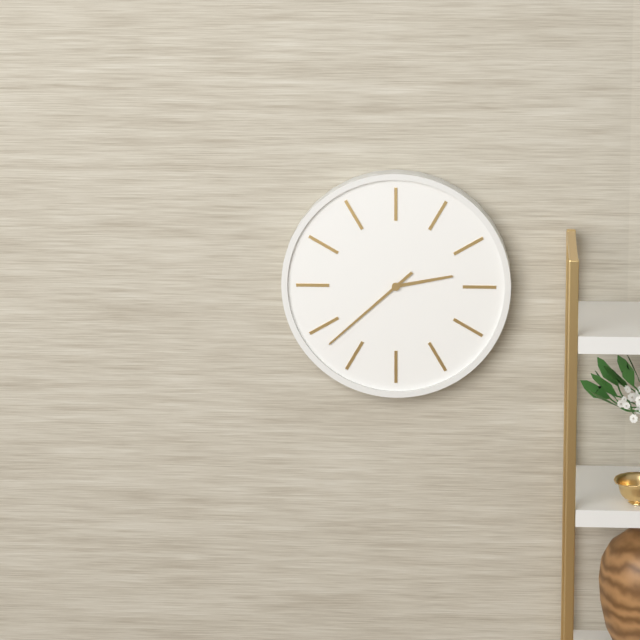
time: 2:38
